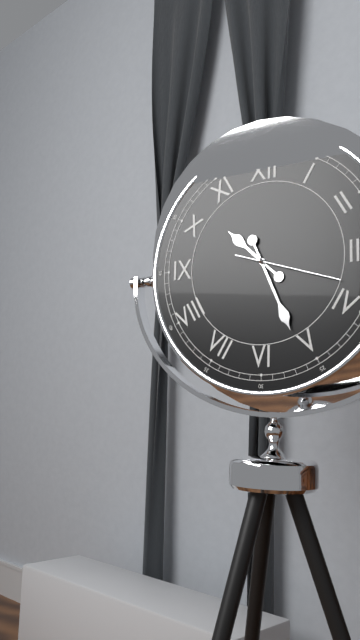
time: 10:26:18
